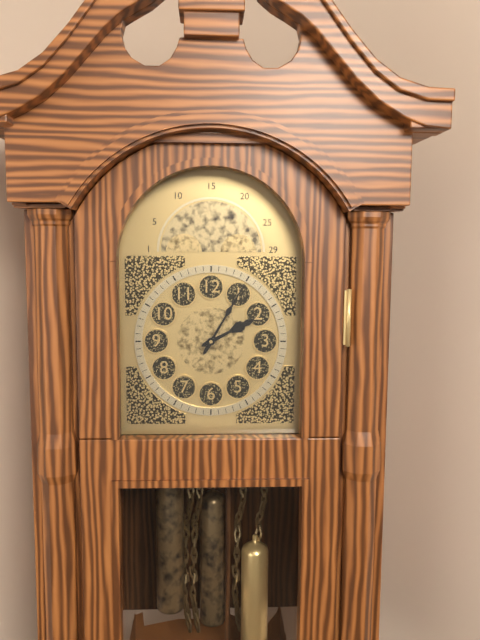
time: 2:05
